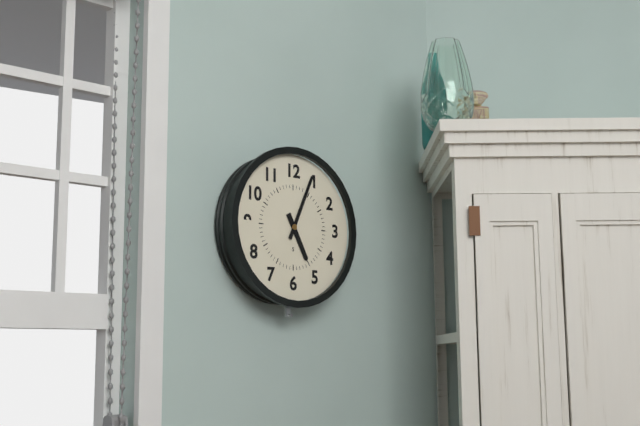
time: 5:04
